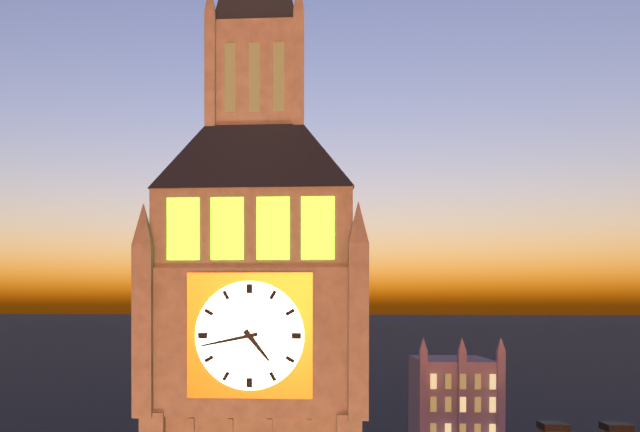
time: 4:43
